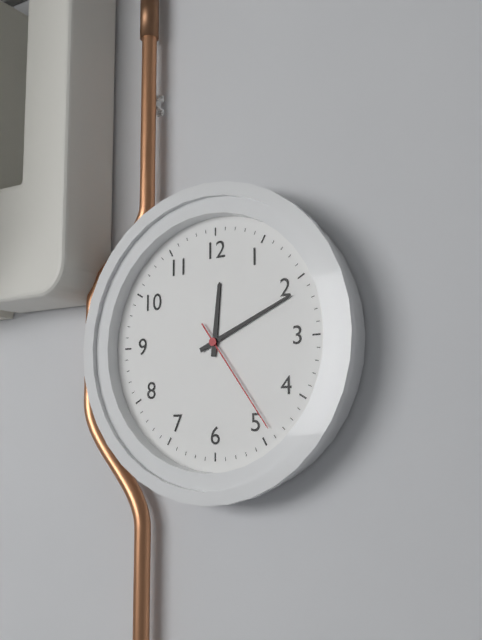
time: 12:11:24
